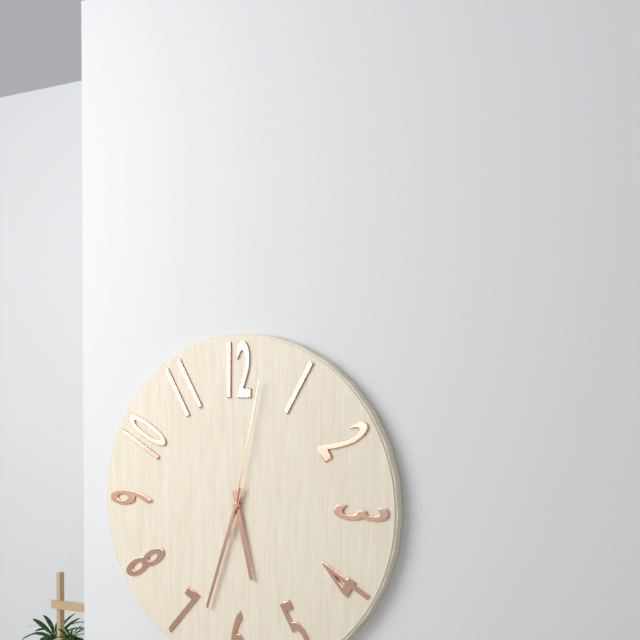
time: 5:33:02
